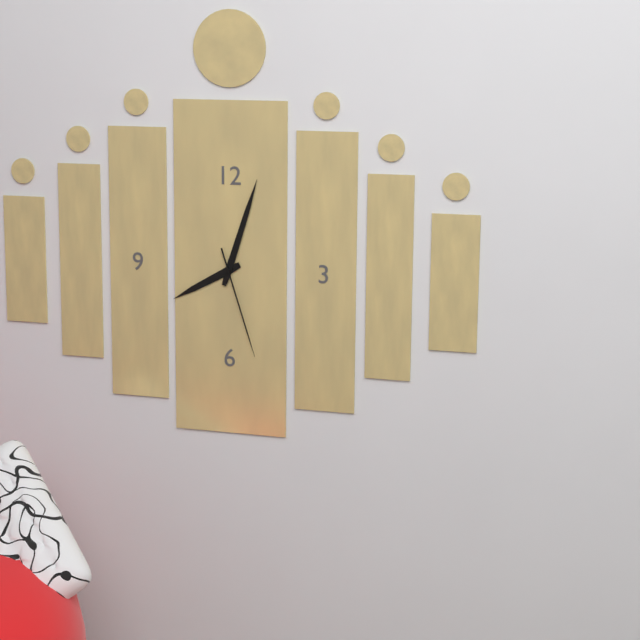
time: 8:03:27
